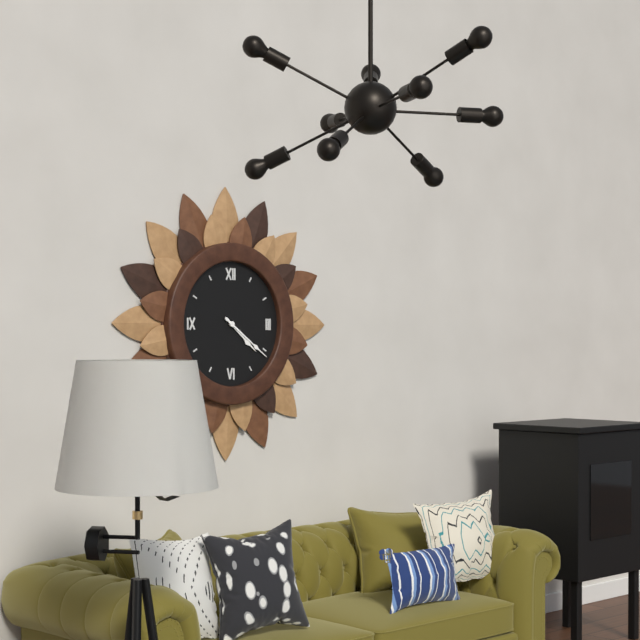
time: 4:21
